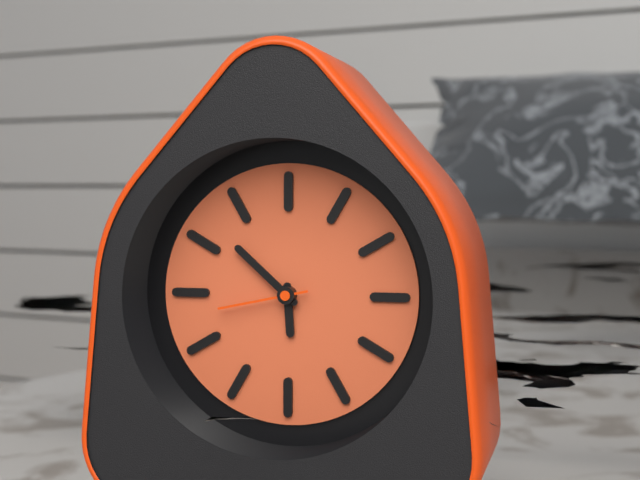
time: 5:52:43
